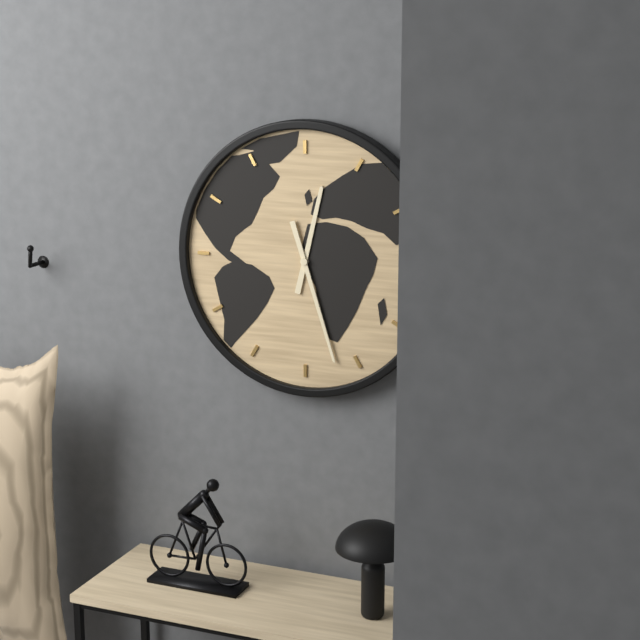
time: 12:27
